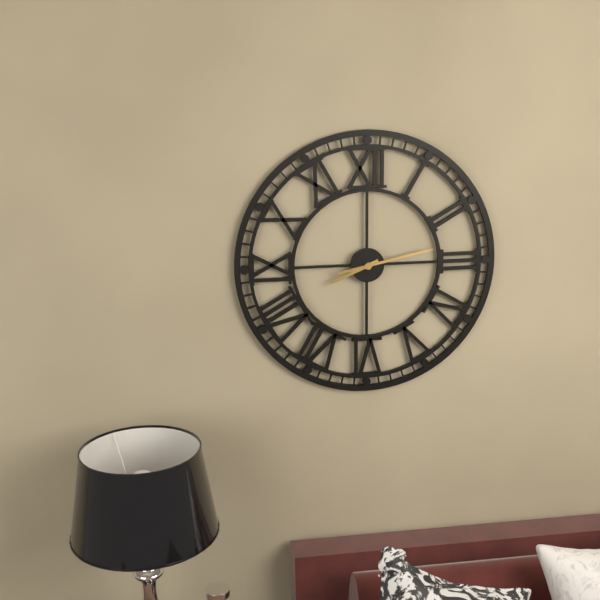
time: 8:13
